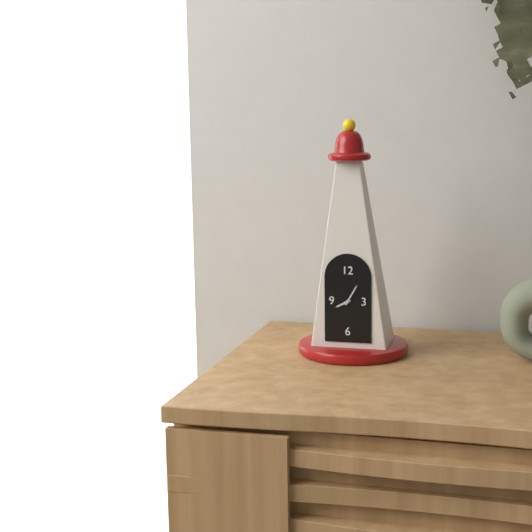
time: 8:05
